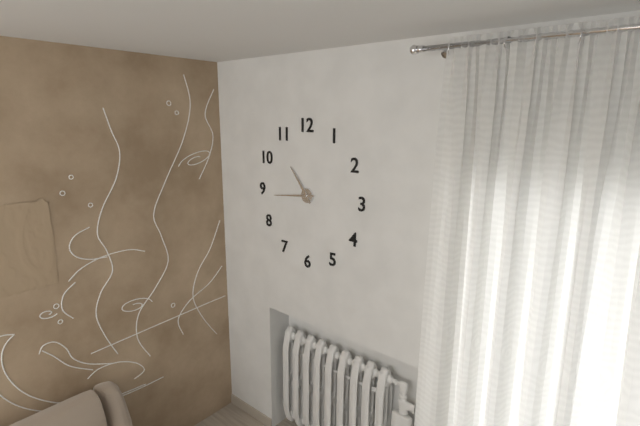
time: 10:44
